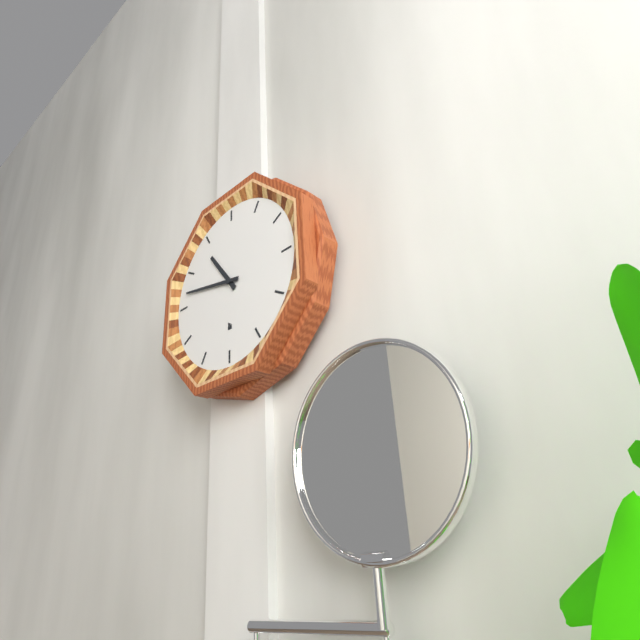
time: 10:47
